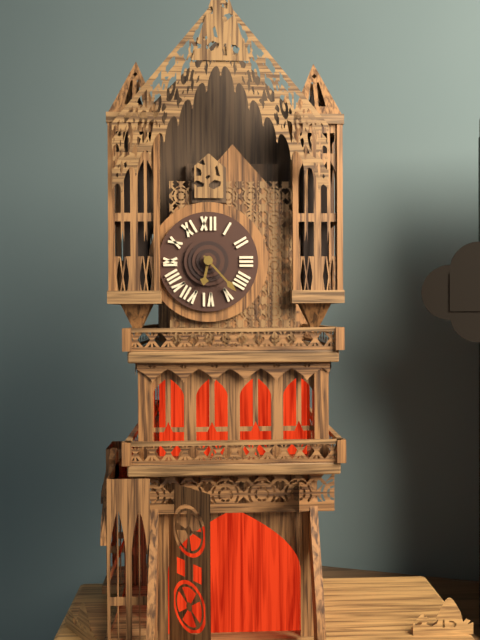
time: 6:23
